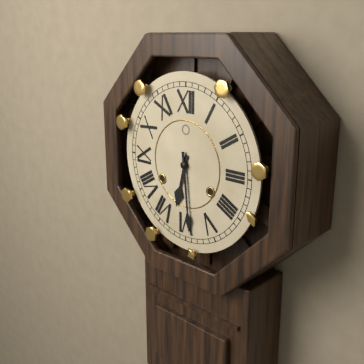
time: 6:29
